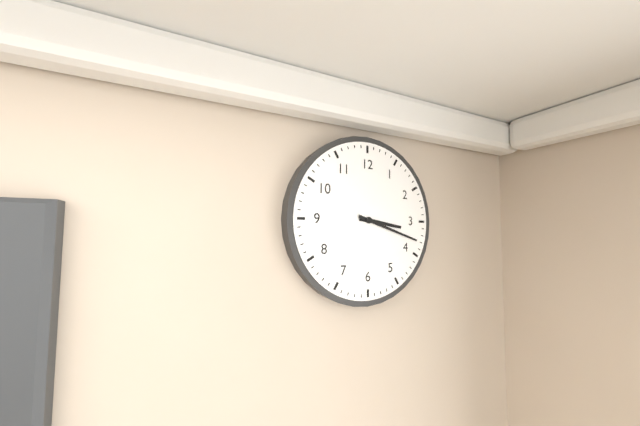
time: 3:18
